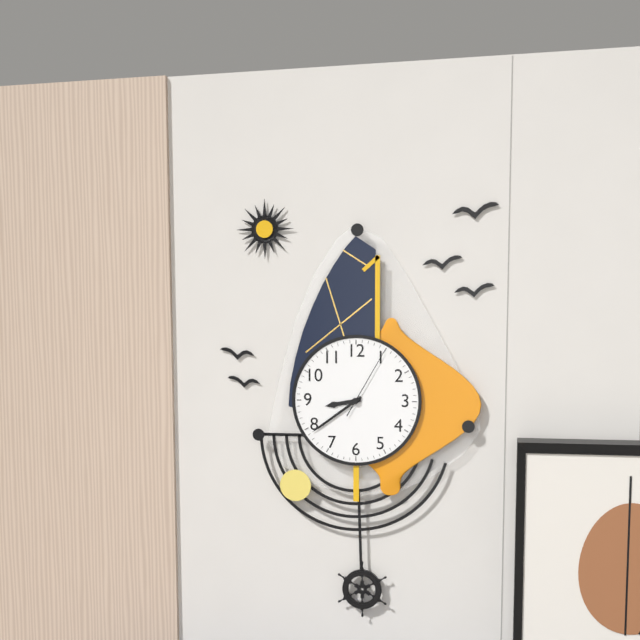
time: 8:39:05
